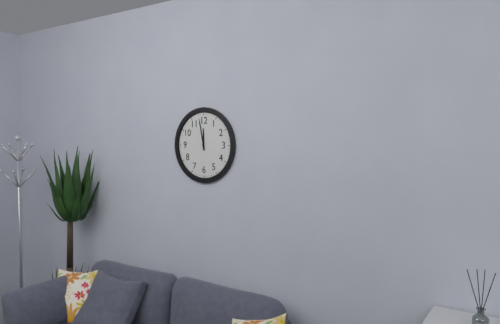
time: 11:58
